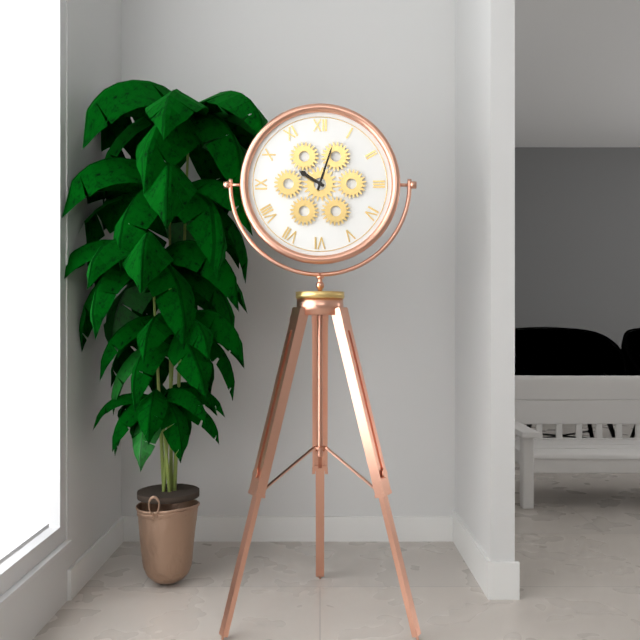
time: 10:03
